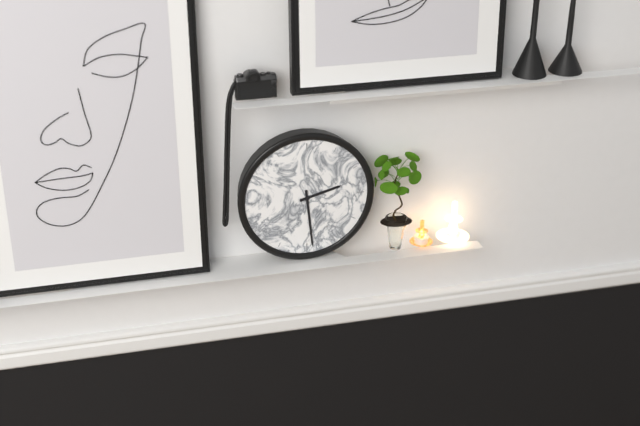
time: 2:29
